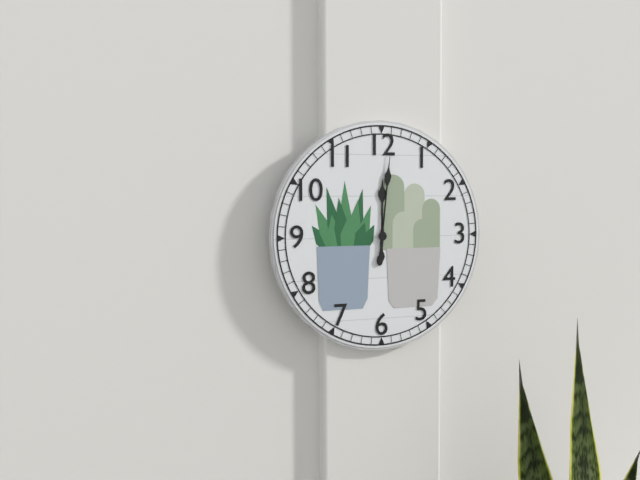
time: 12:01
